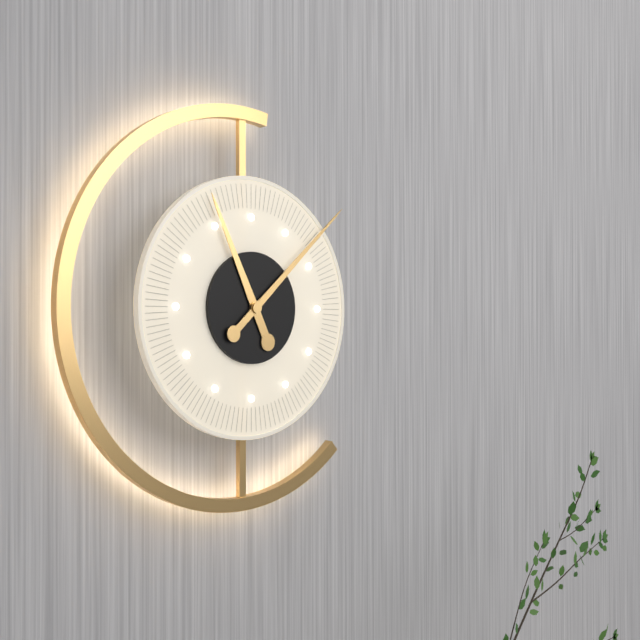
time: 11:08
